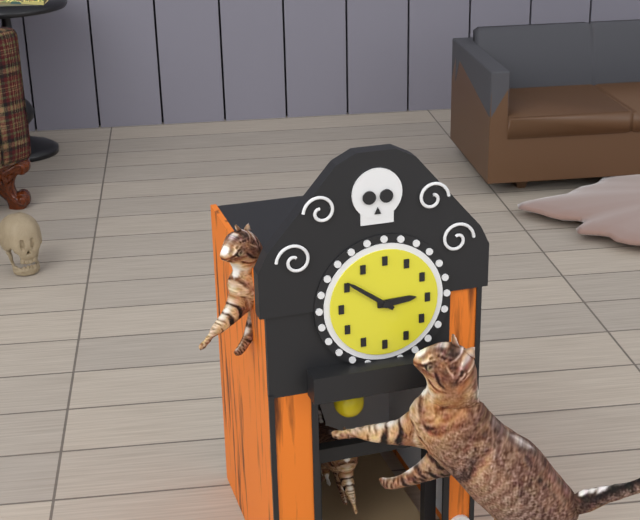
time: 2:51
